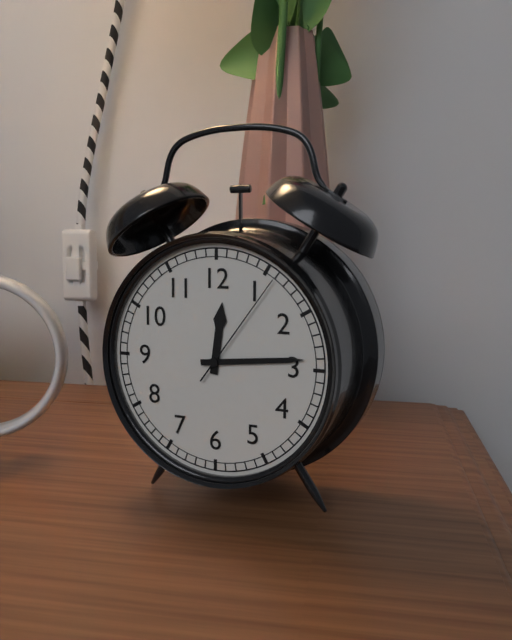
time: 12:14:06
